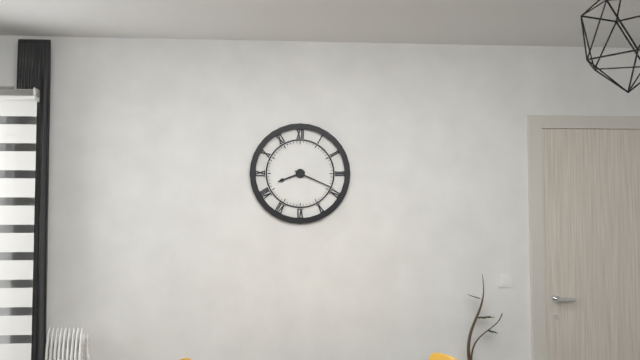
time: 8:19
